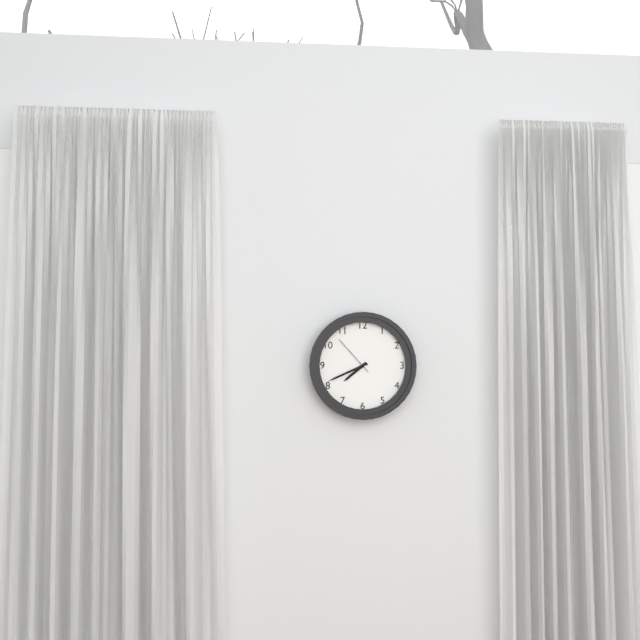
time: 7:41
